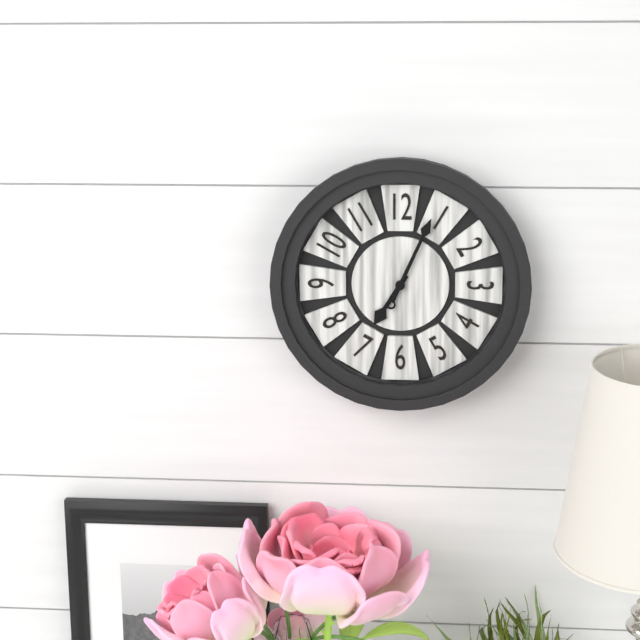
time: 7:04
